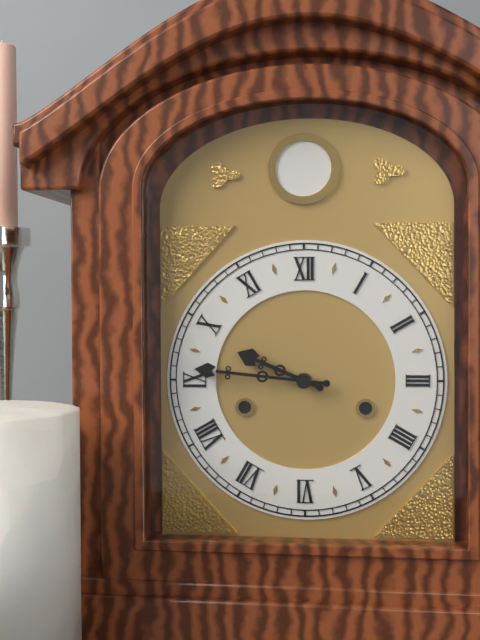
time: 9:46
